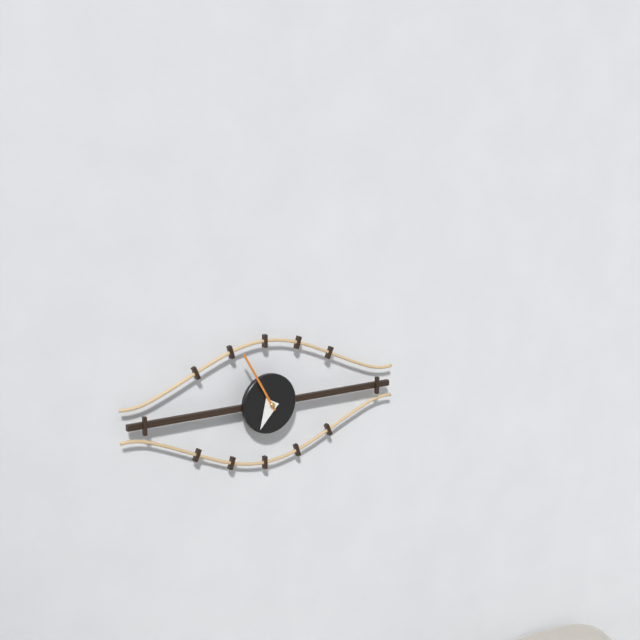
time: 6:55
